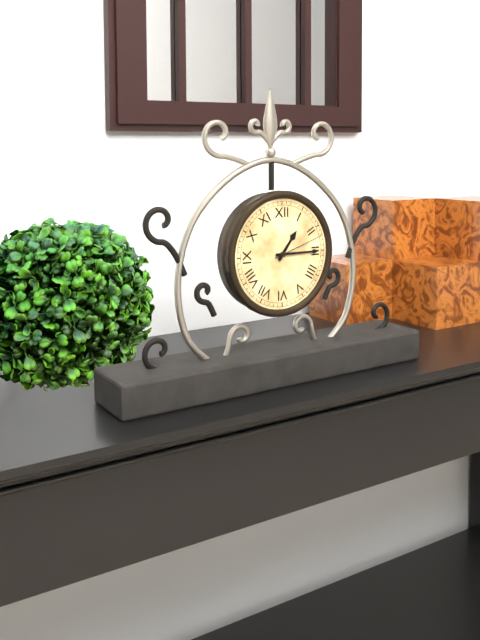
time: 1:15:12
